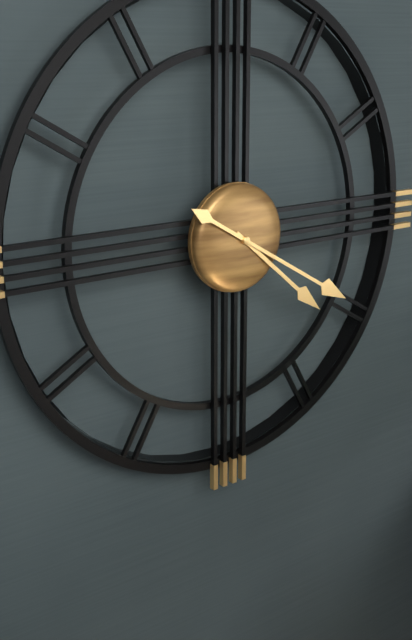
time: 4:20
